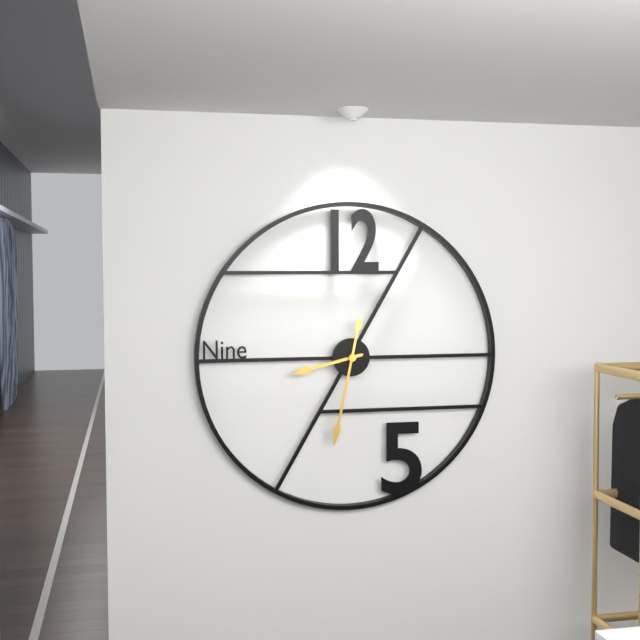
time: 8:32
